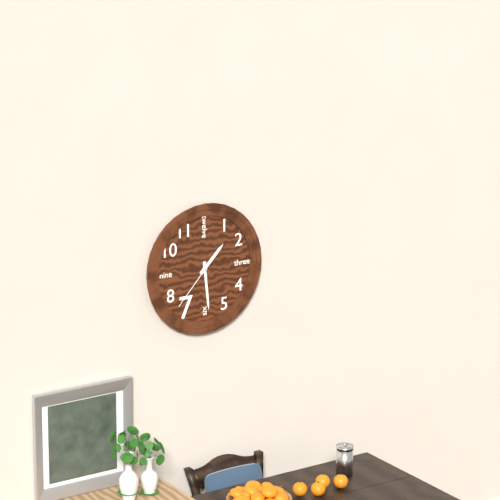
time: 1:29:37
